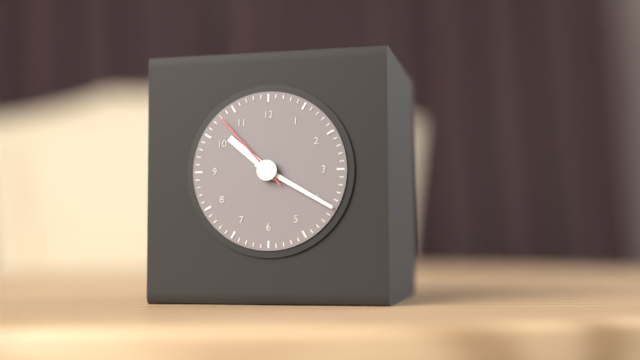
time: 10:20:53
